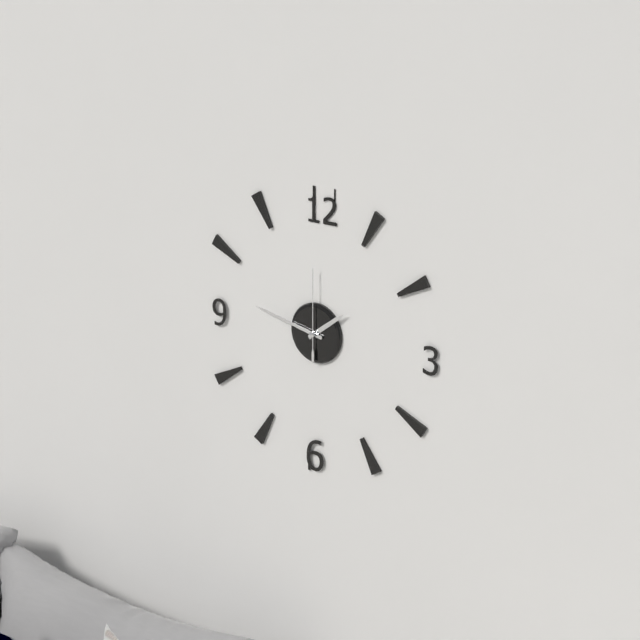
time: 1:47:00
